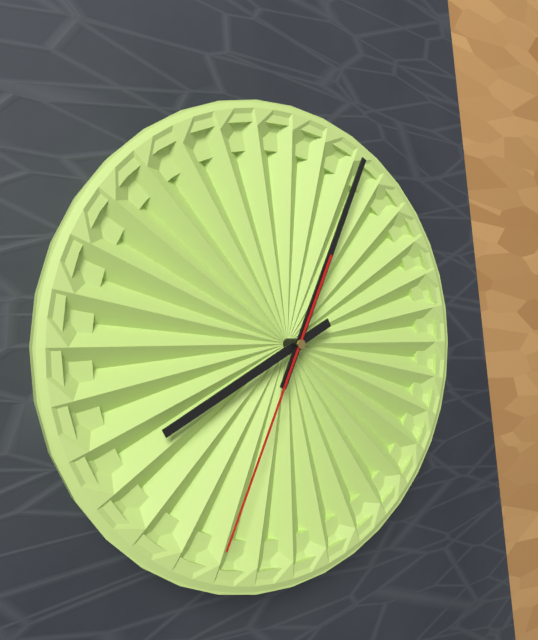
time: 8:04:34
